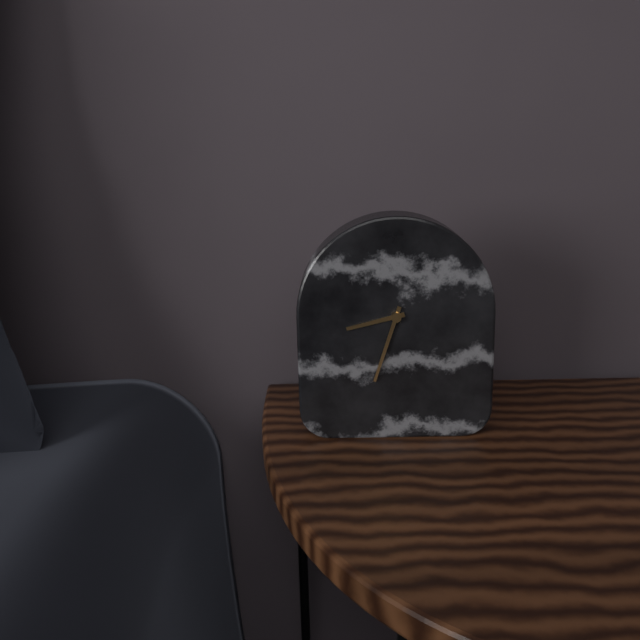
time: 8:33
